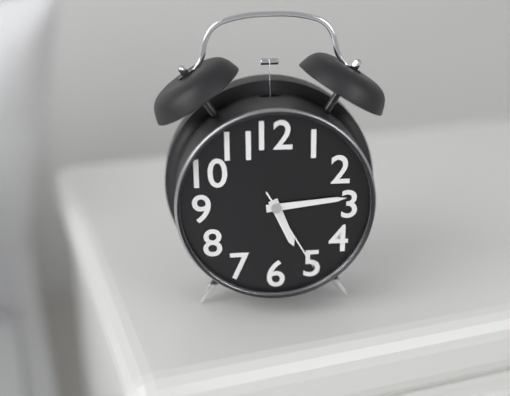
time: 5:14:25
